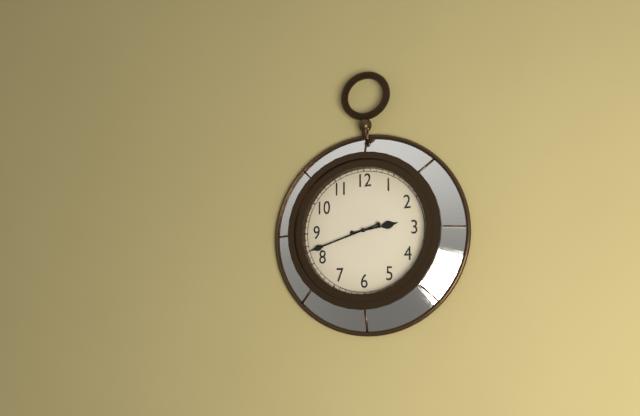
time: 2:42
